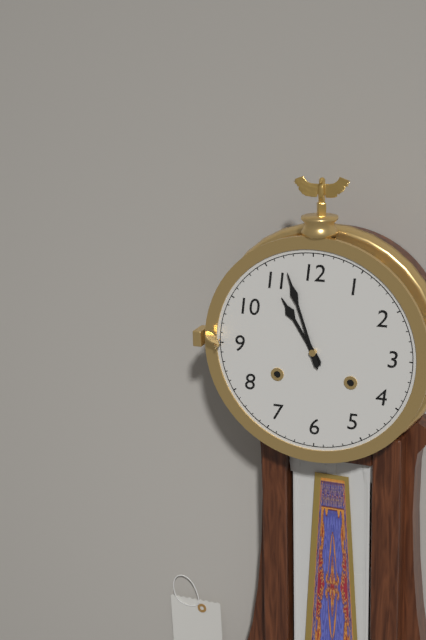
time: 10:57
